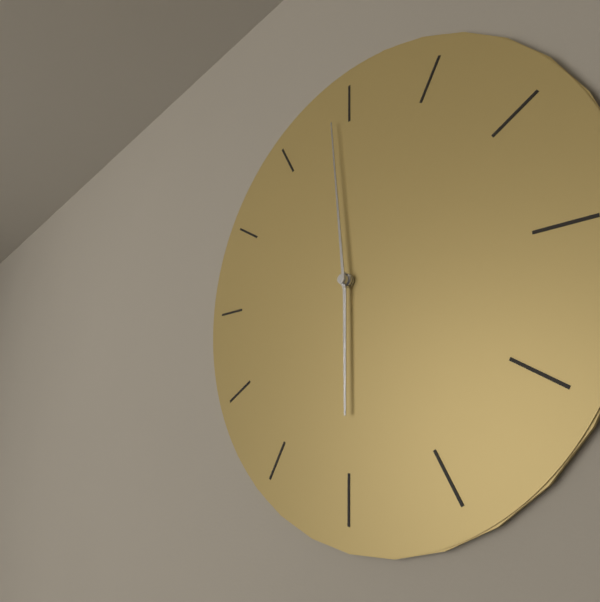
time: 5:59
